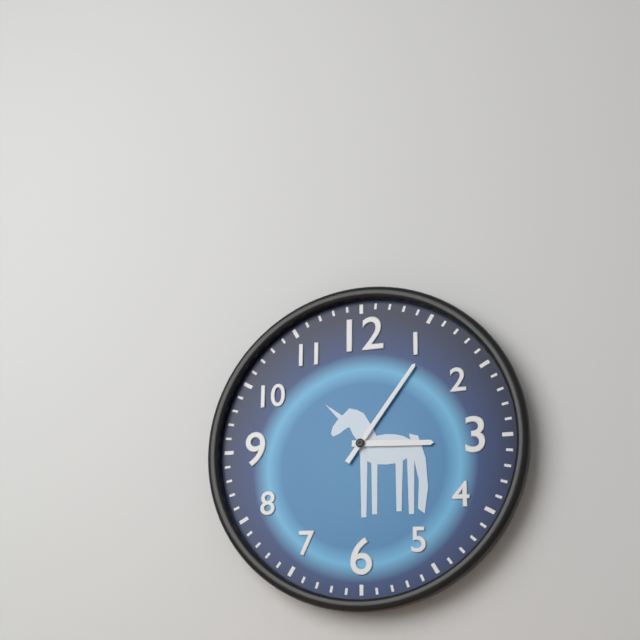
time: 3:06
